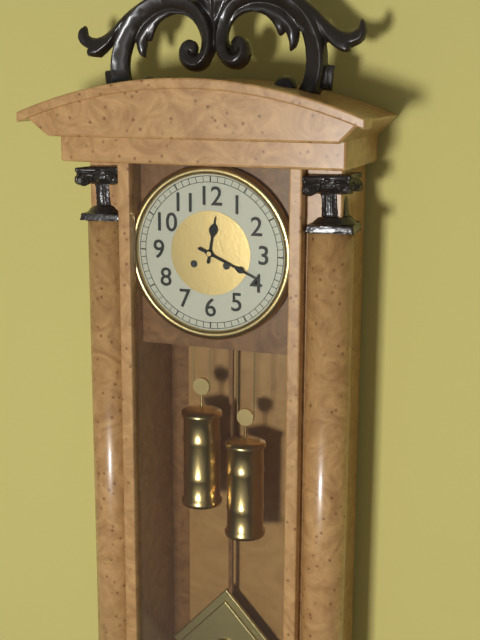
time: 12:19
